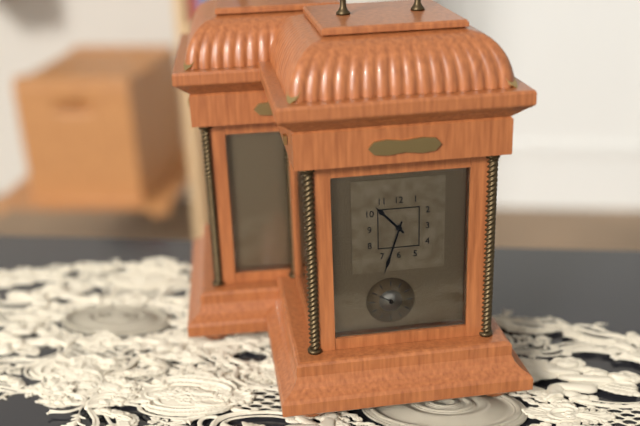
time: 10:33
